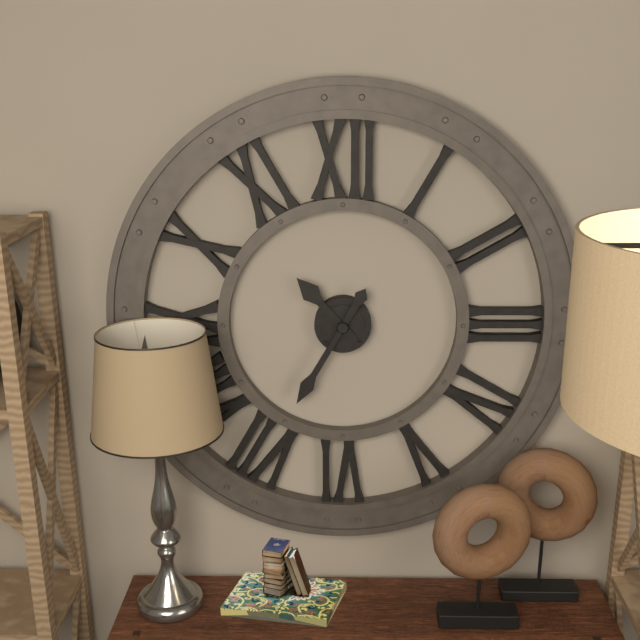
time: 10:35
